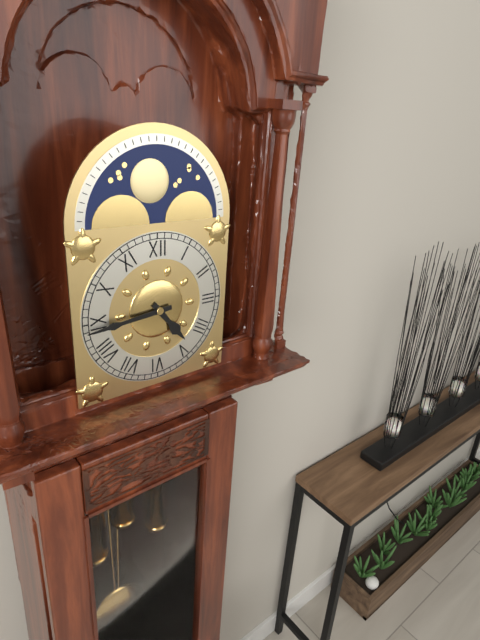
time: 4:44
